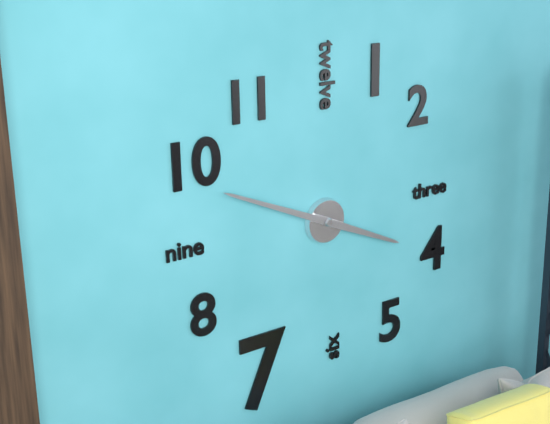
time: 3:49
